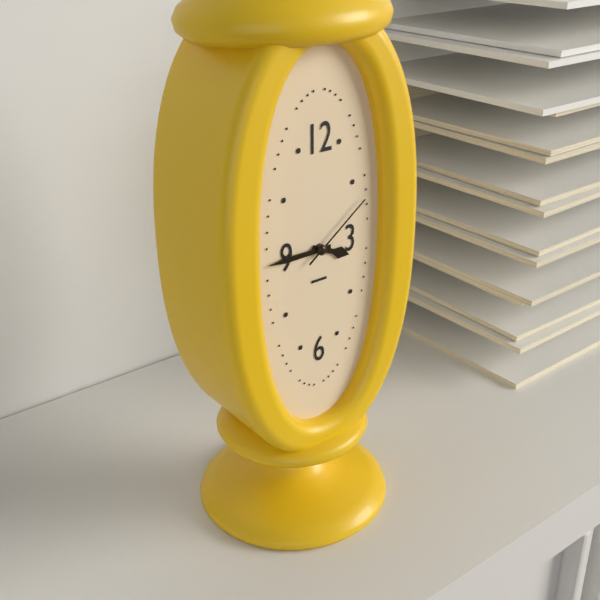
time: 3:45:09
